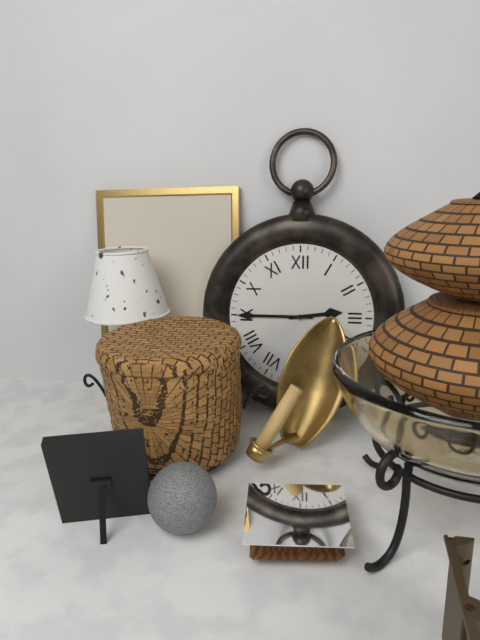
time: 2:45
